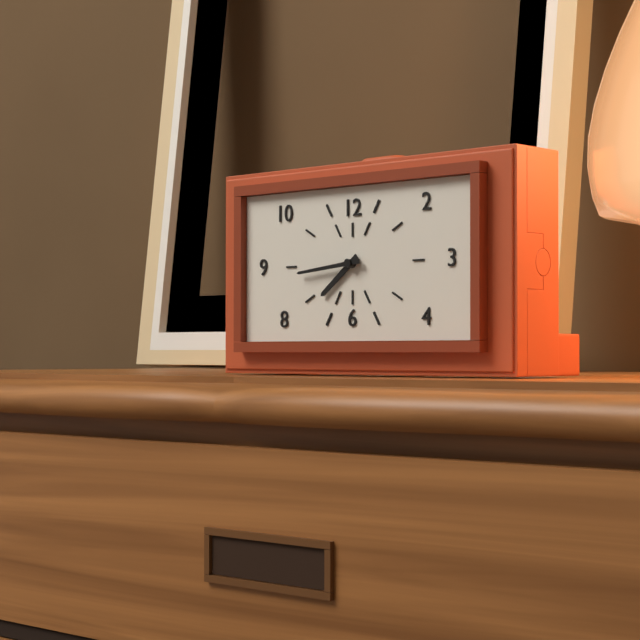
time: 7:44
